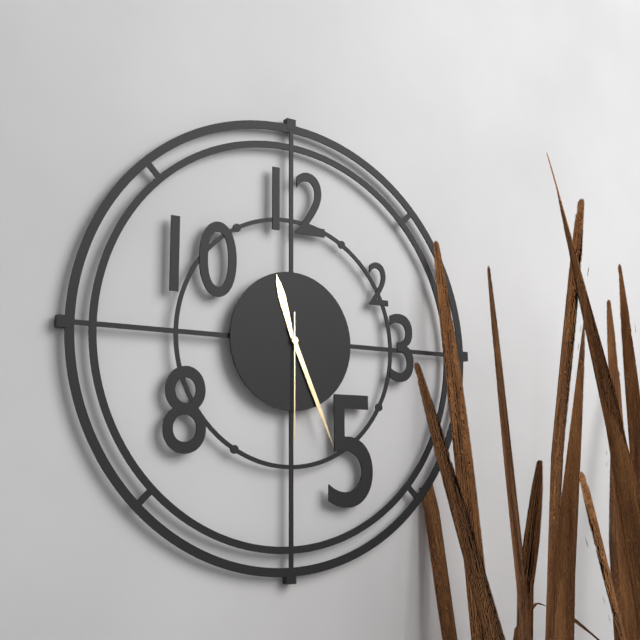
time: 11:26:30
